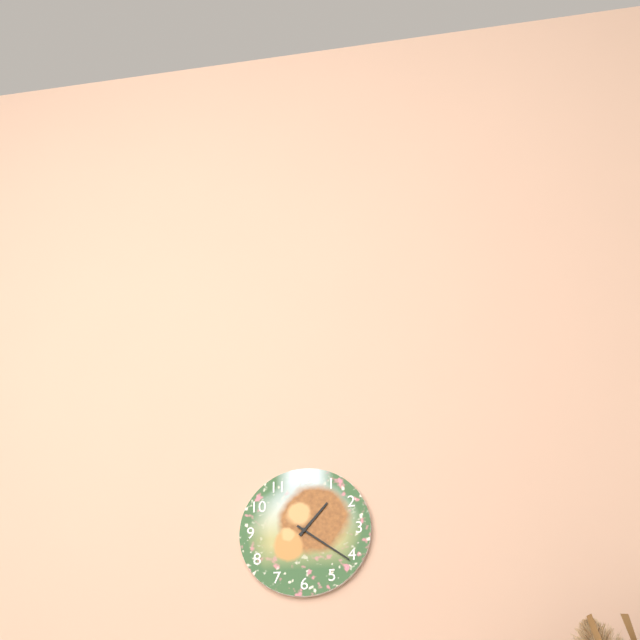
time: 1:21
